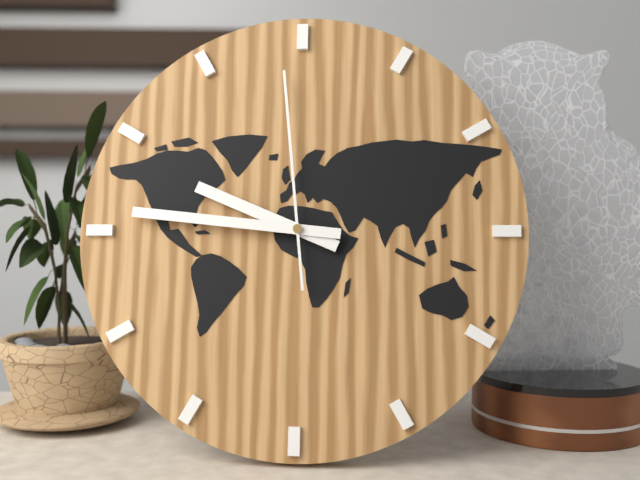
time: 9:46:59
